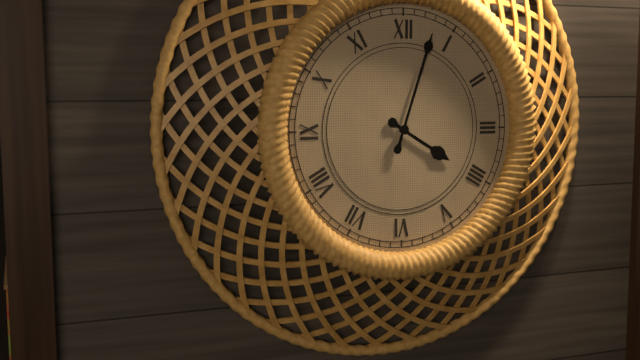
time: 4:03
